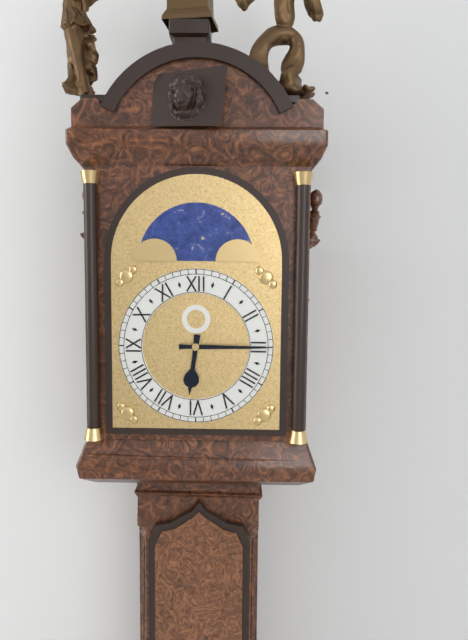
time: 6:15
